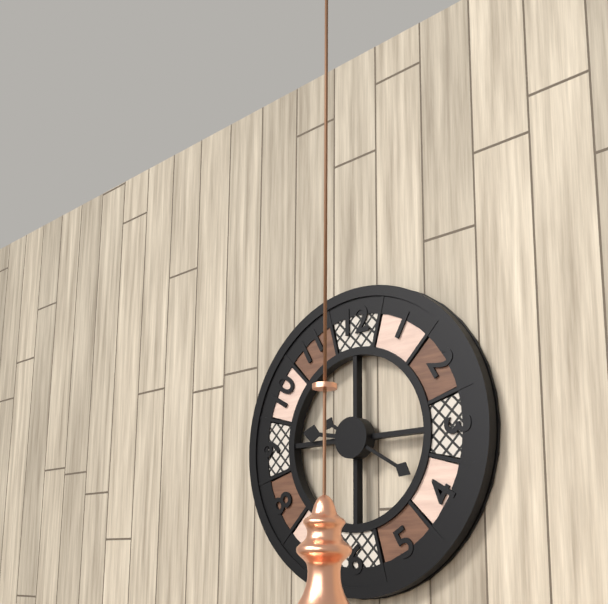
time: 9:20
